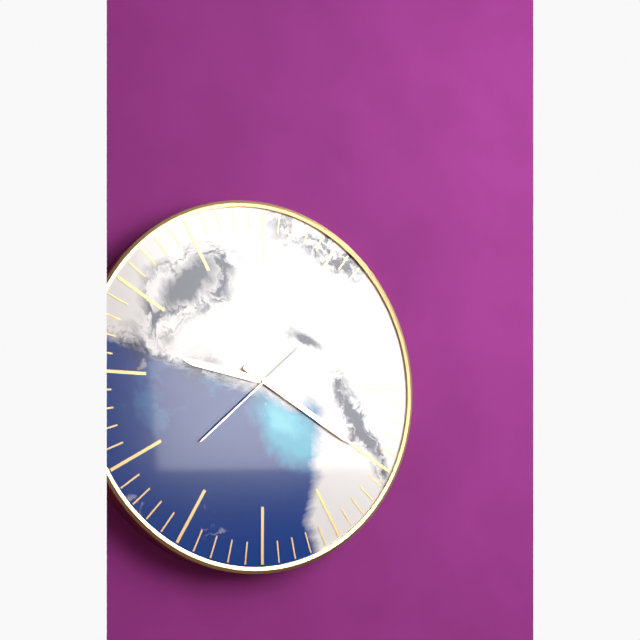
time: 9:20:38
